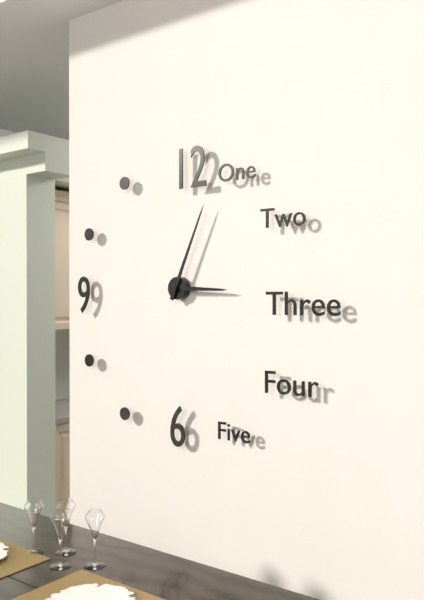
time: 3:04
